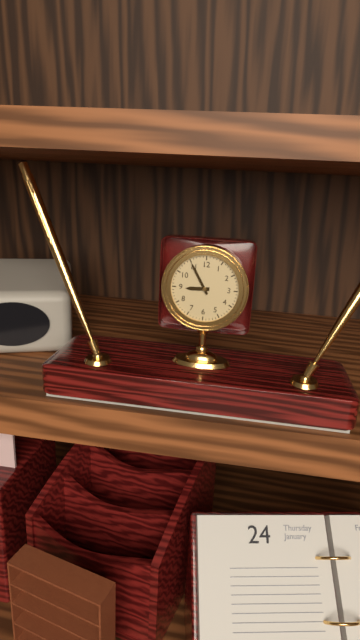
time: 8:55
